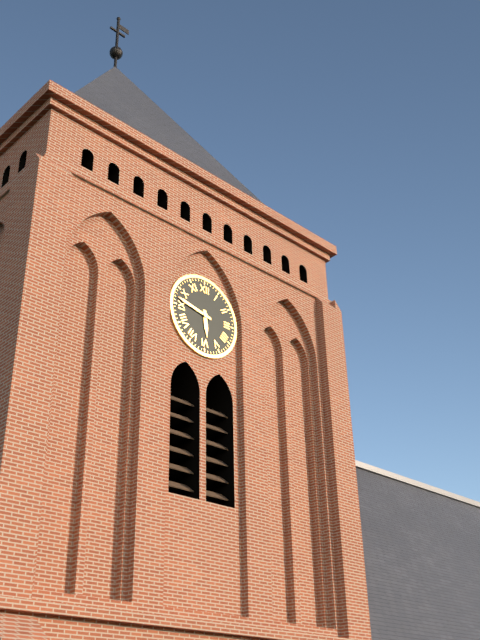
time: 5:47
